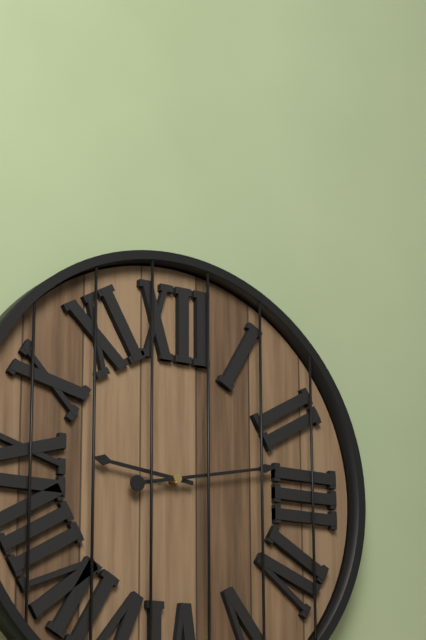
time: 9:13
